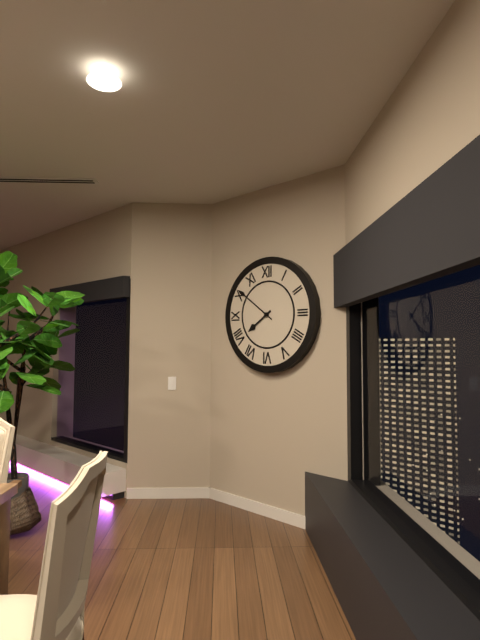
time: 7:51
